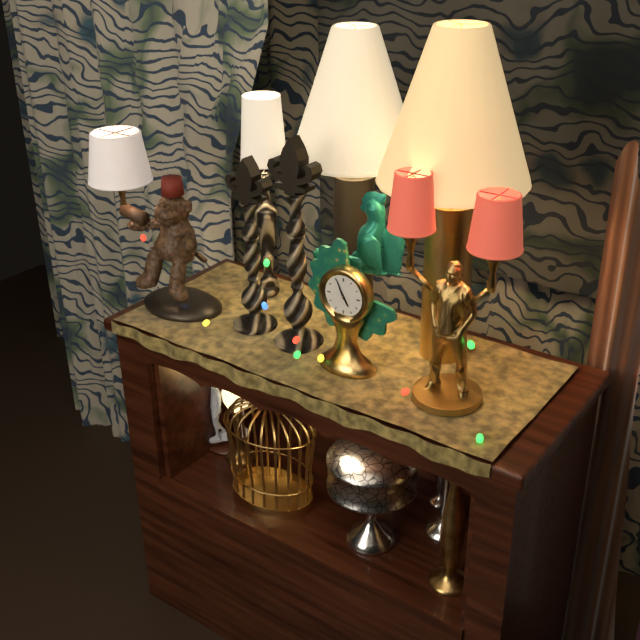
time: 4:56
